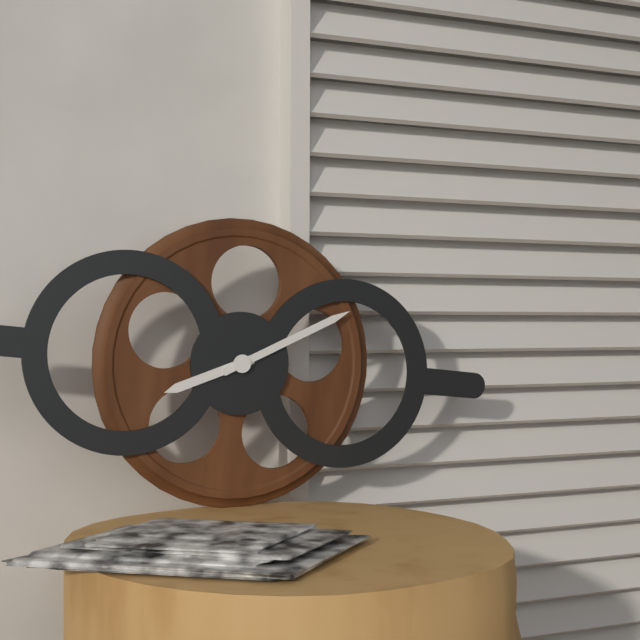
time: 8:10
